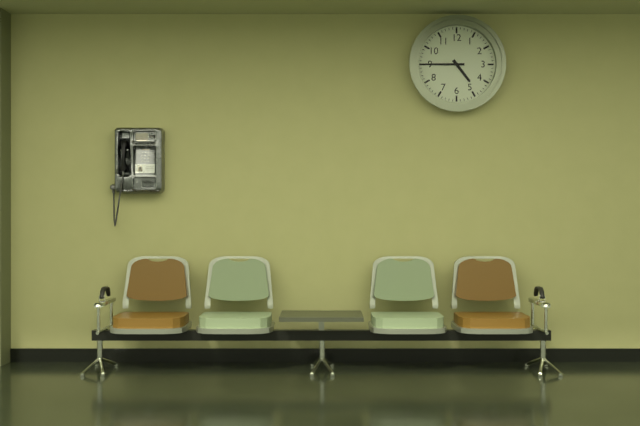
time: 4:45
